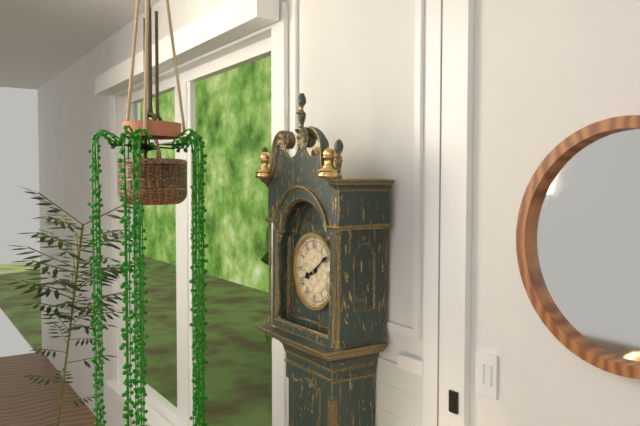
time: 8:09
